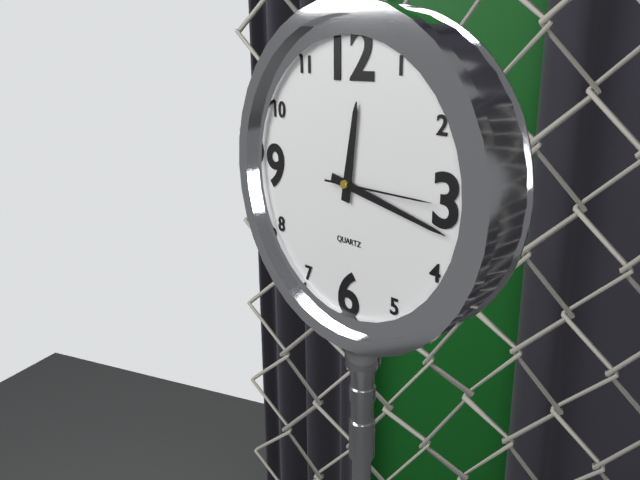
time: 12:17:15
